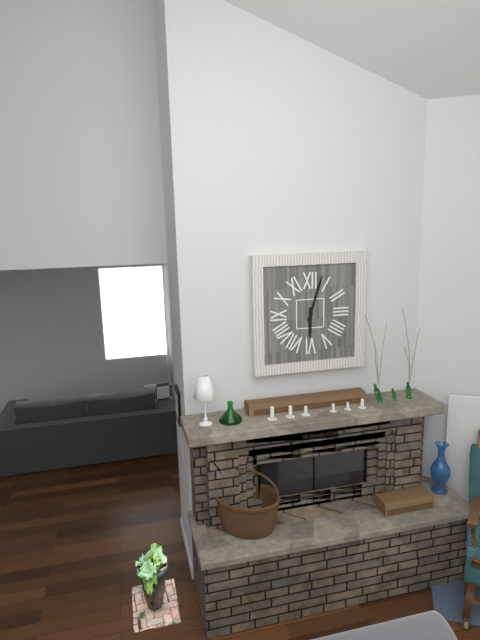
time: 6:03
